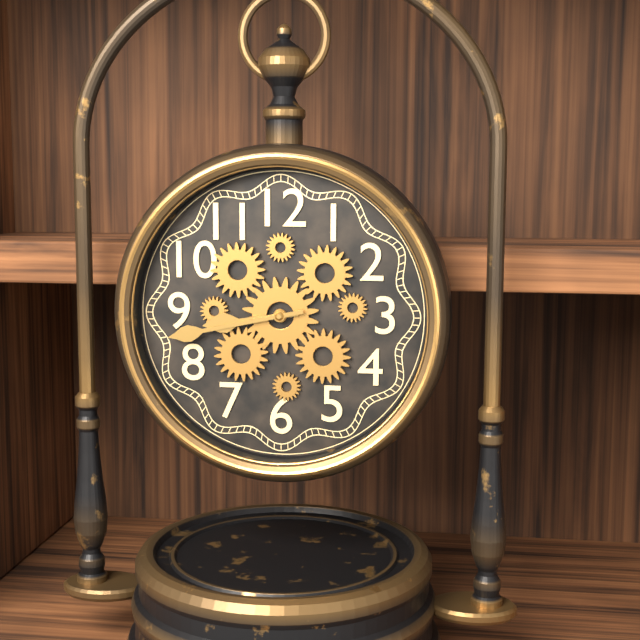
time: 8:43
